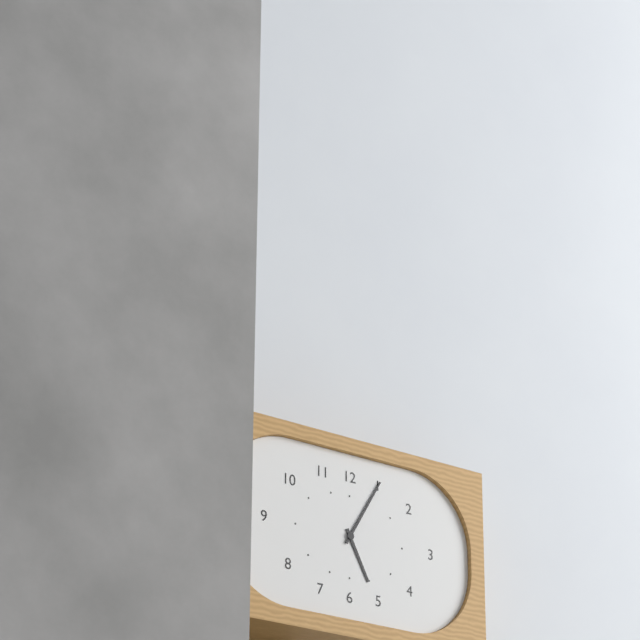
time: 5:05
